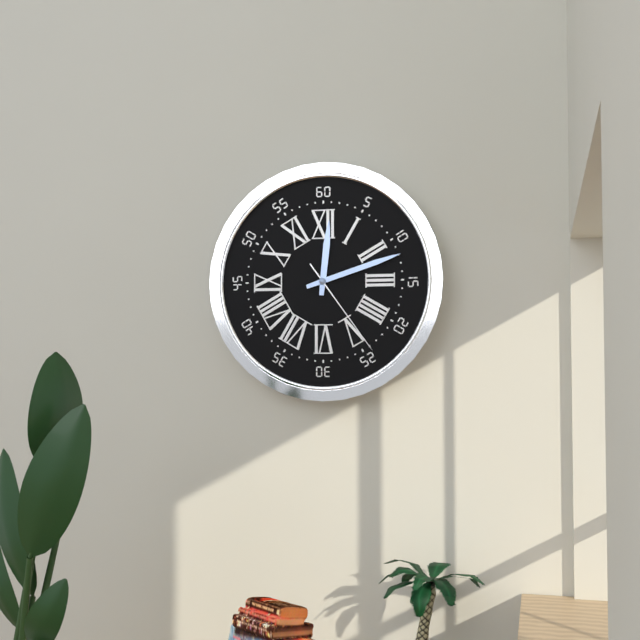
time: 12:12:24
